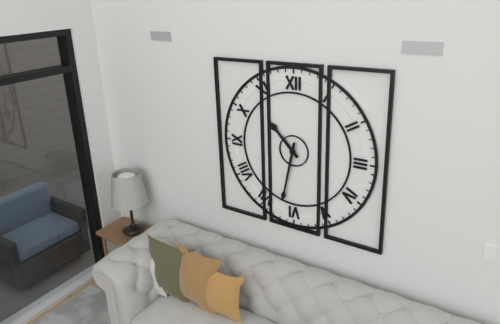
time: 10:32
